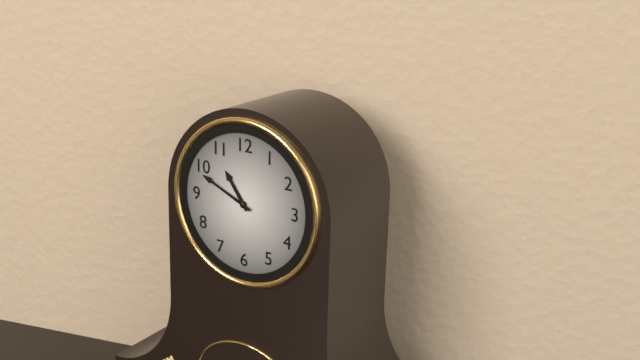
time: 10:49
